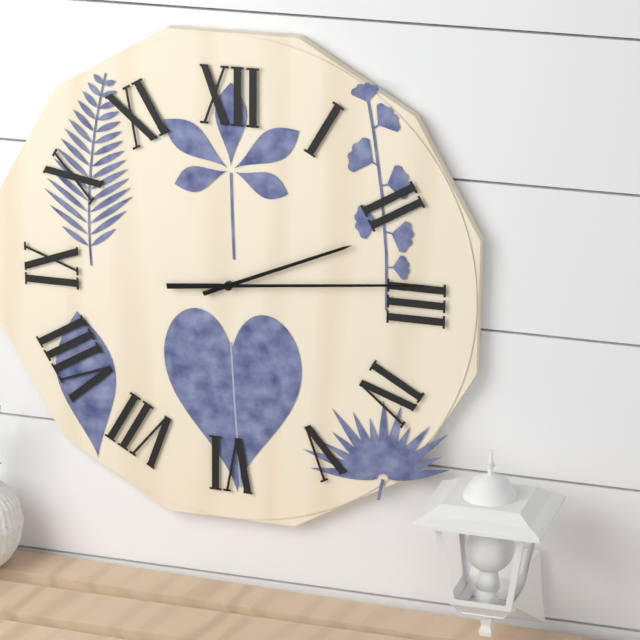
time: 2:14
